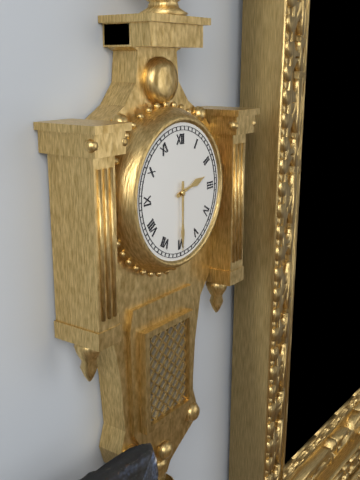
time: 2:30
